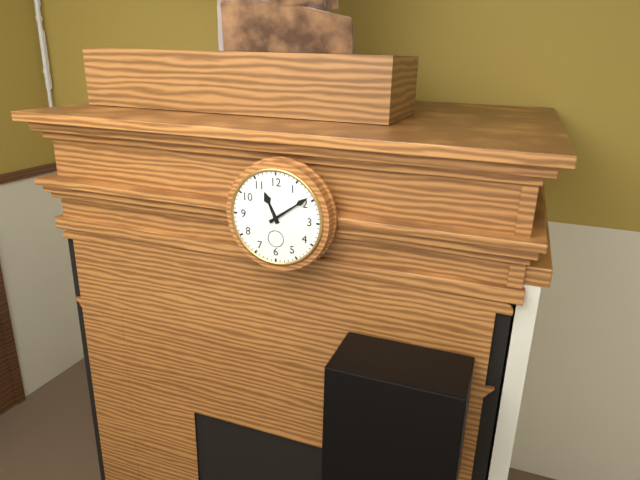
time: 11:09
